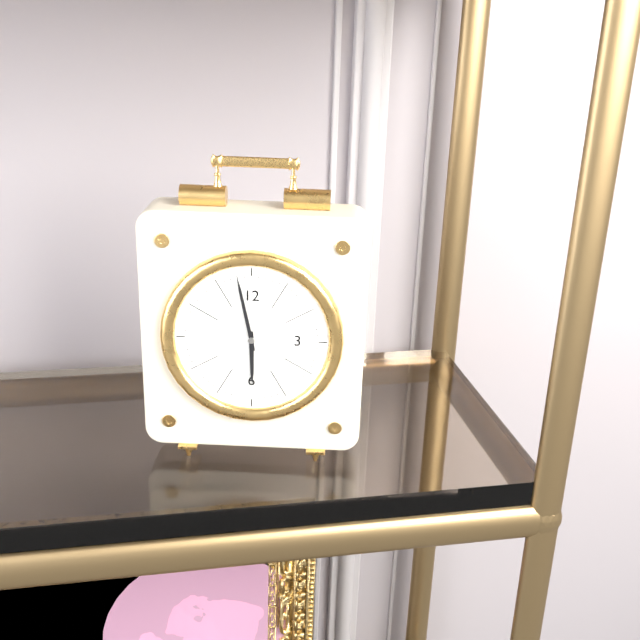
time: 5:58
